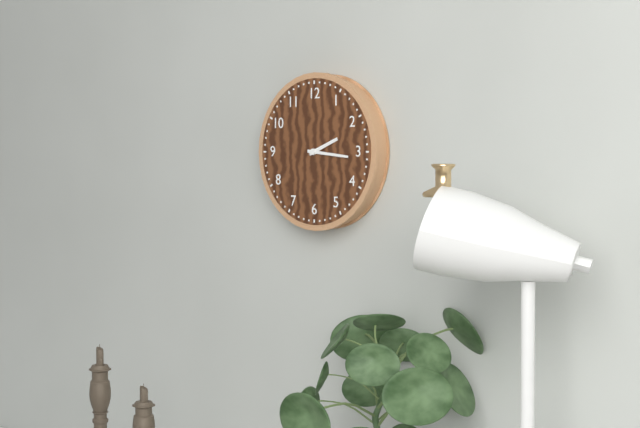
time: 2:16
